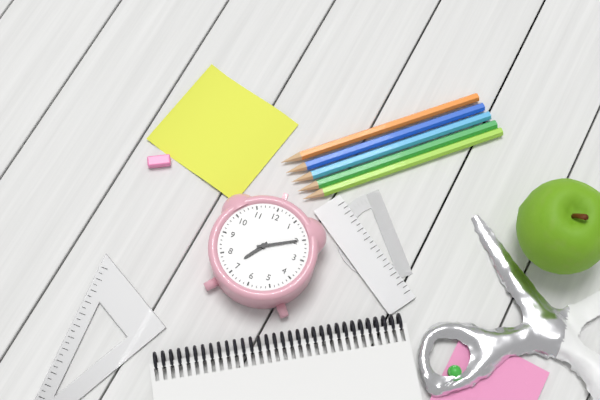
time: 7:10
